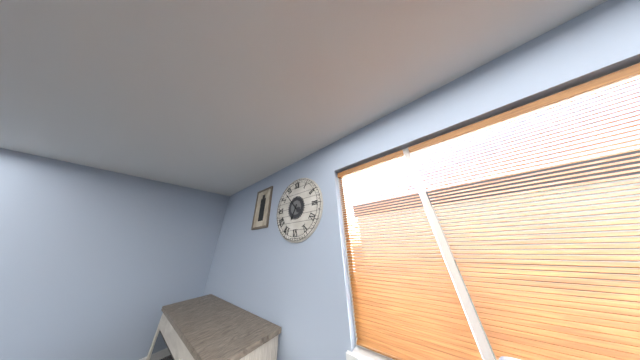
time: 6:53
